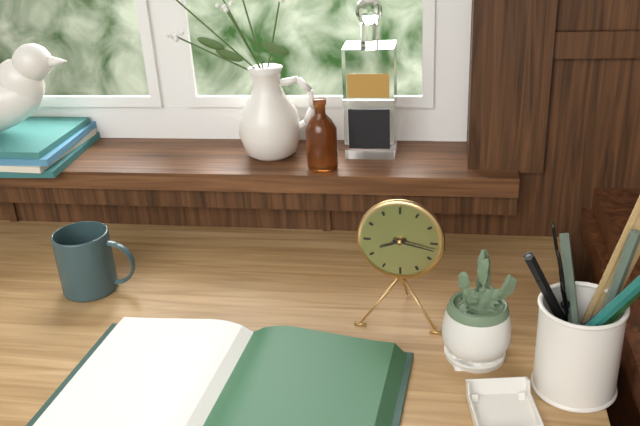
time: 8:17
